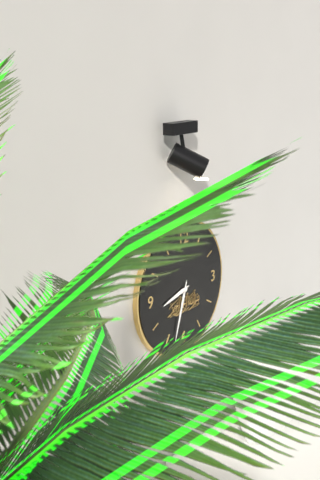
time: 8:33
